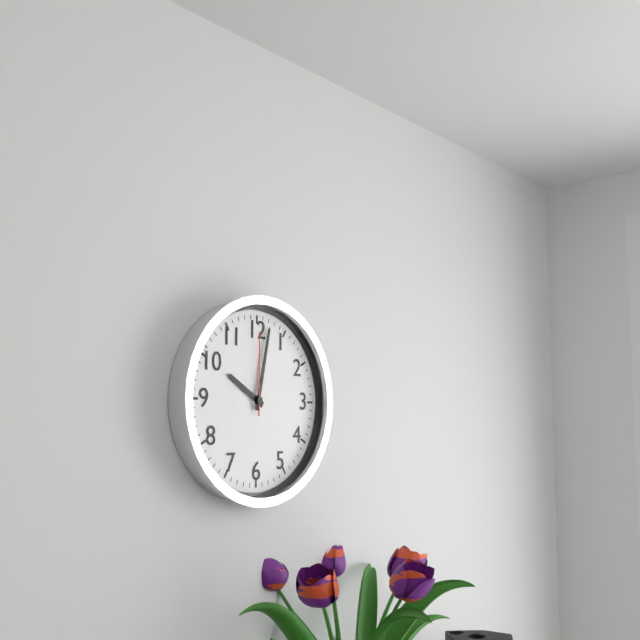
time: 10:02:00
